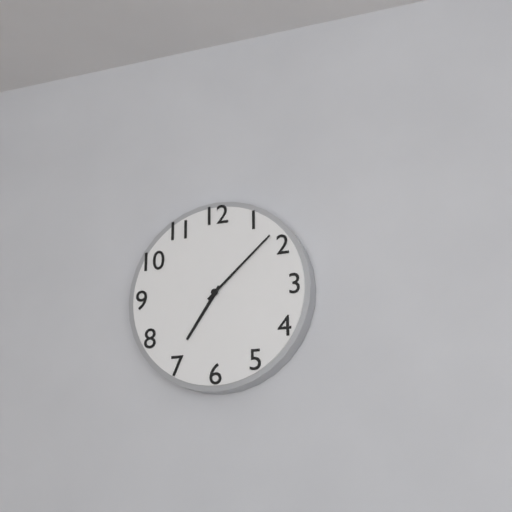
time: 7:08
